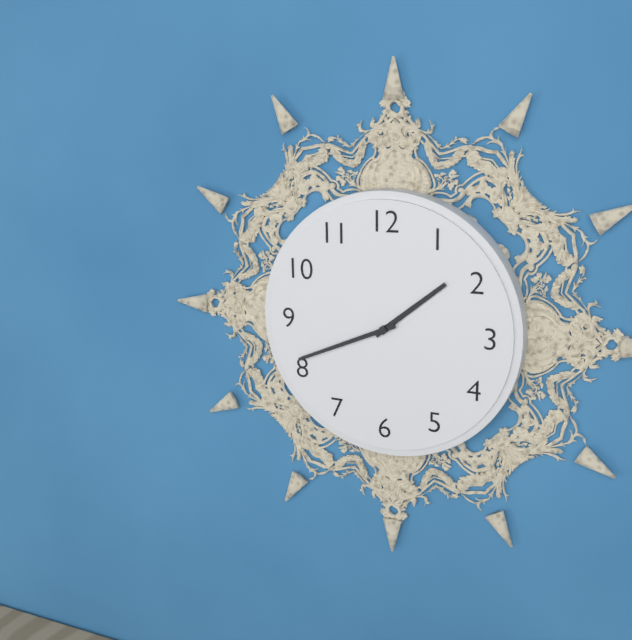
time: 1:41
